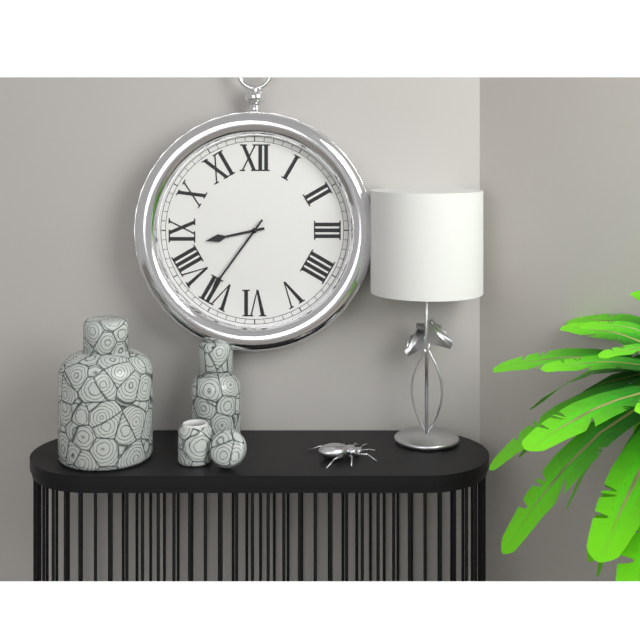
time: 8:36
